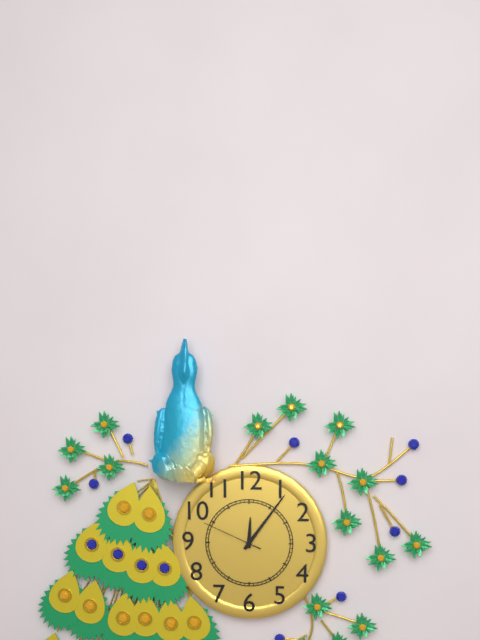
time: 12:06:49
